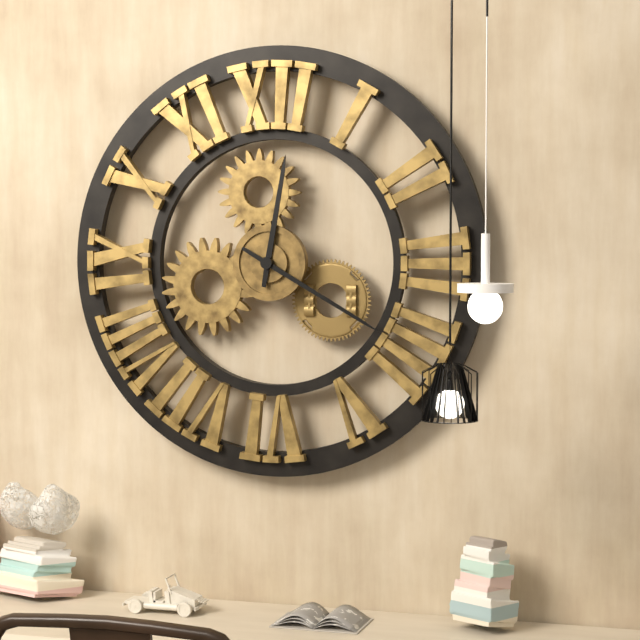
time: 12:20
